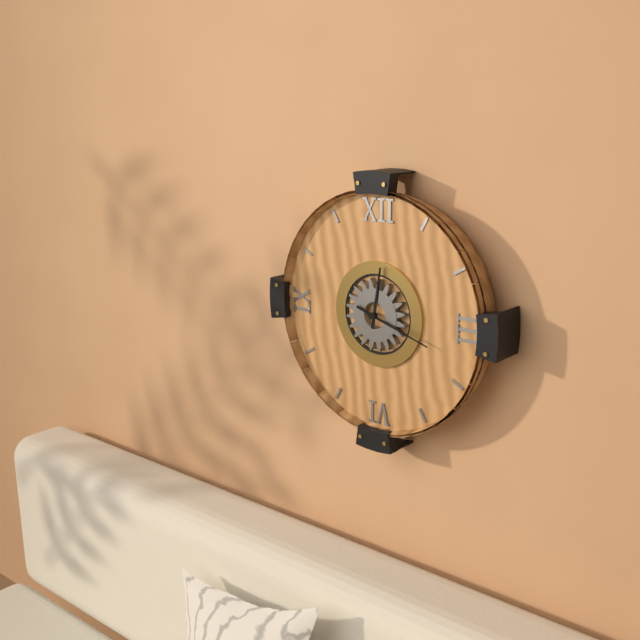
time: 12:18
